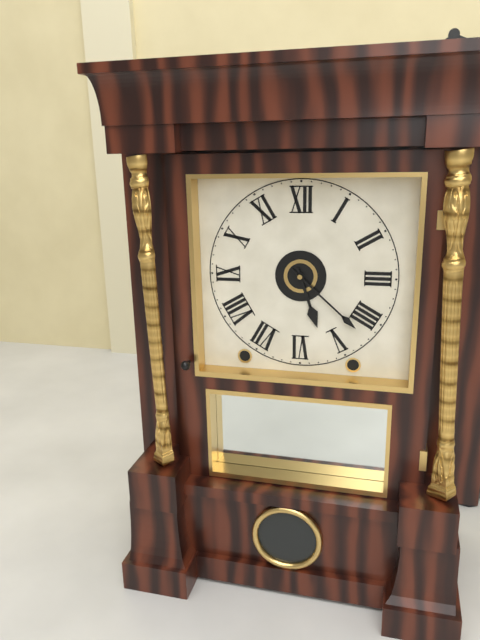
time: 5:22
